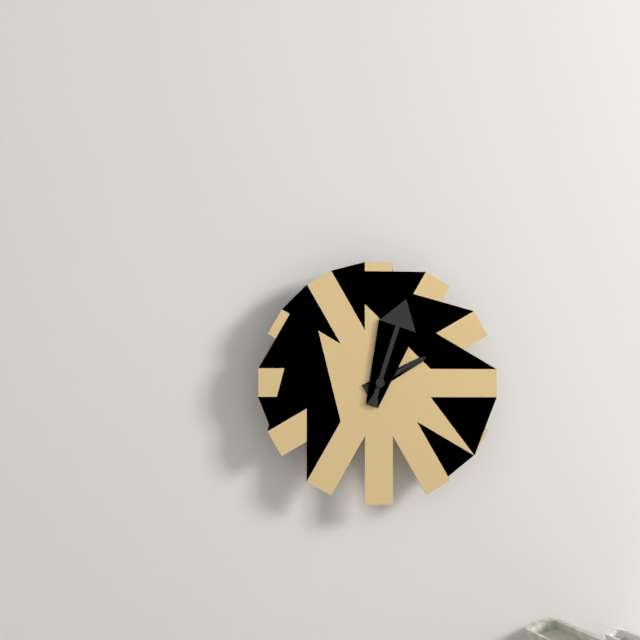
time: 2:03
